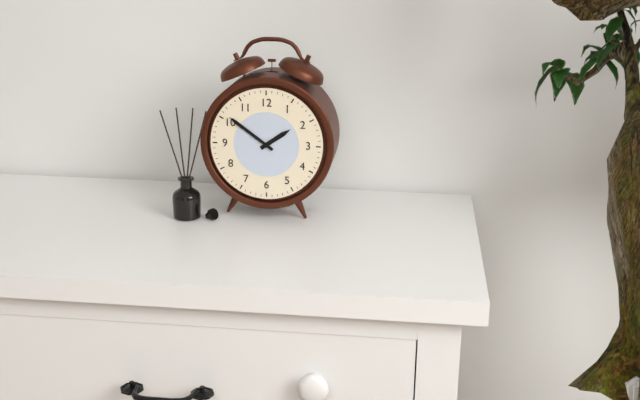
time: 1:51
